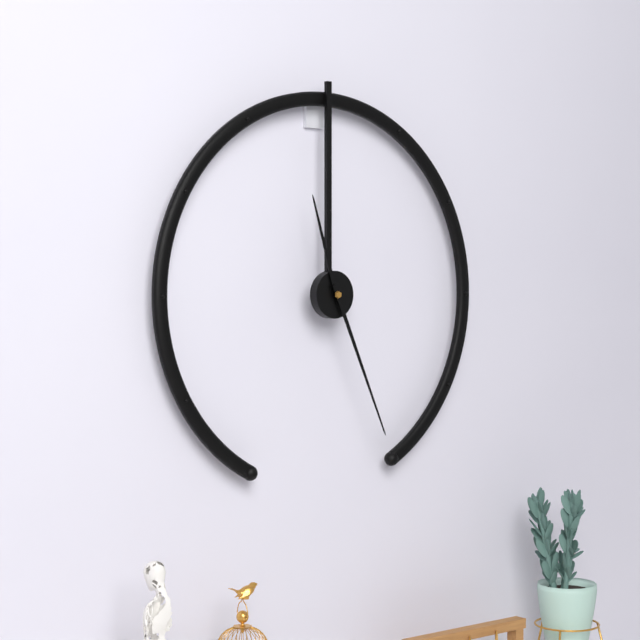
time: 11:26
